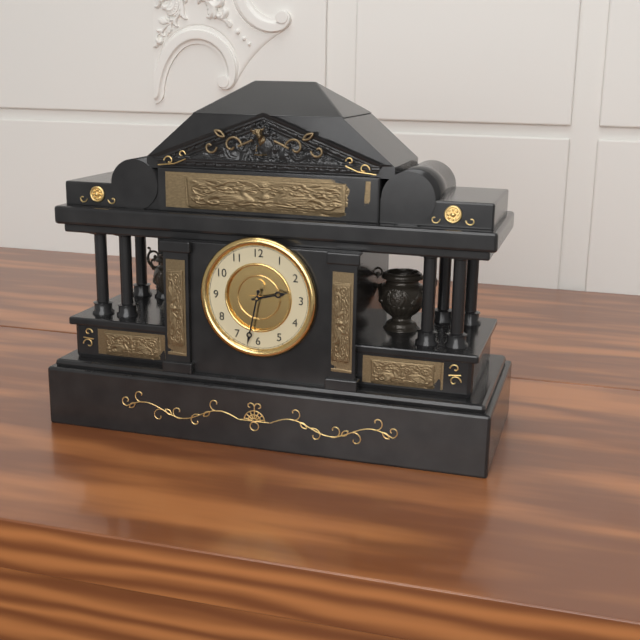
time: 2:32
